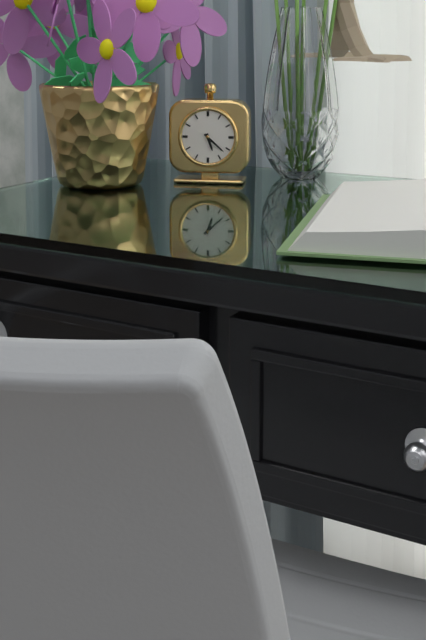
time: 5:22
